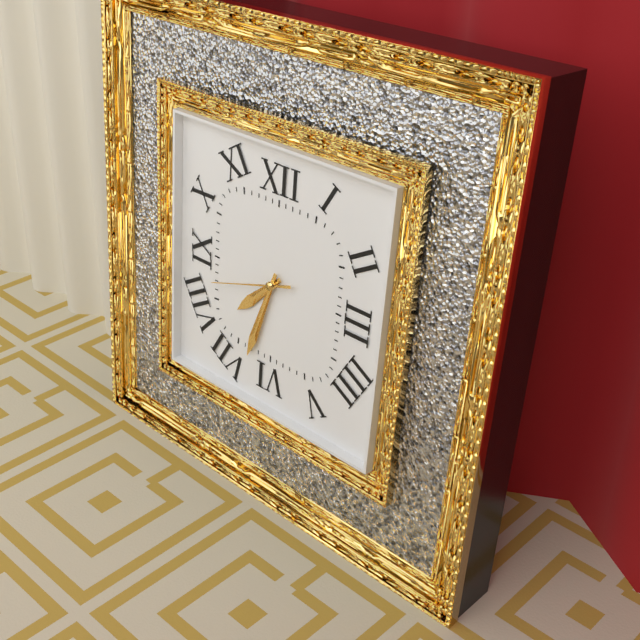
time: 7:33:42
